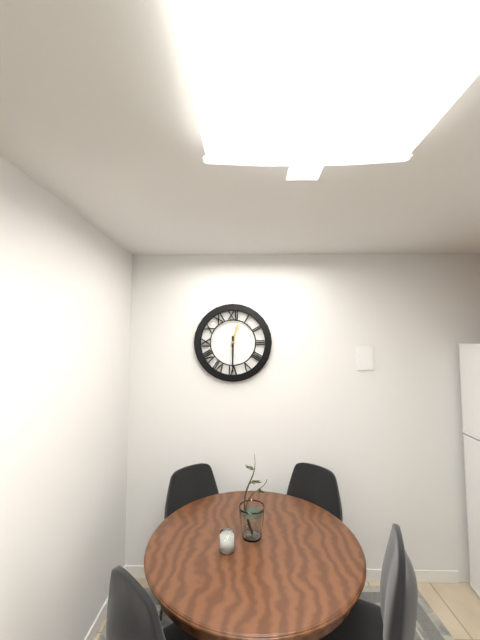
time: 12:30
